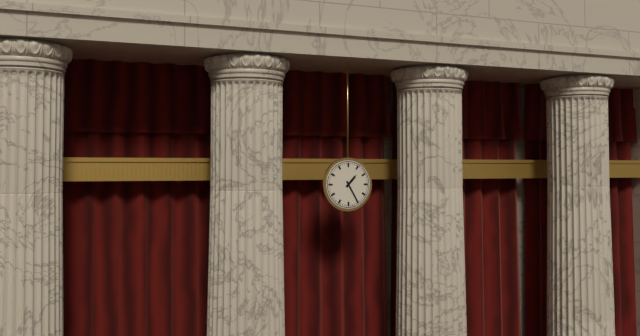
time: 1:25
